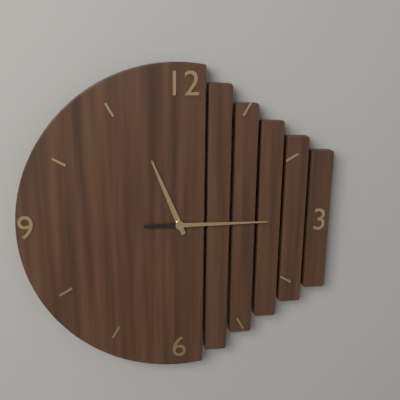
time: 11:15
